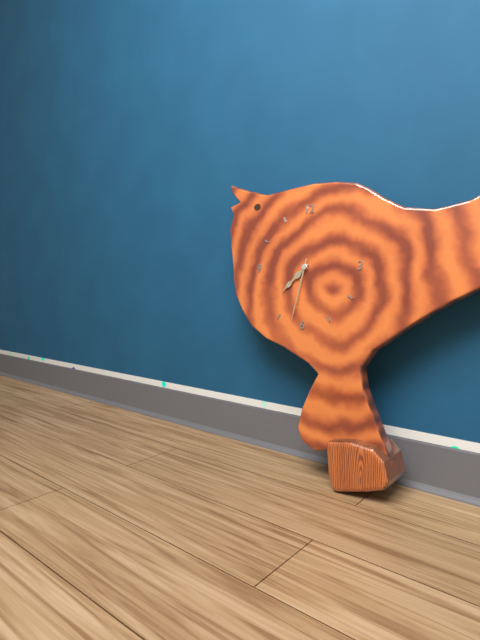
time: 7:32
